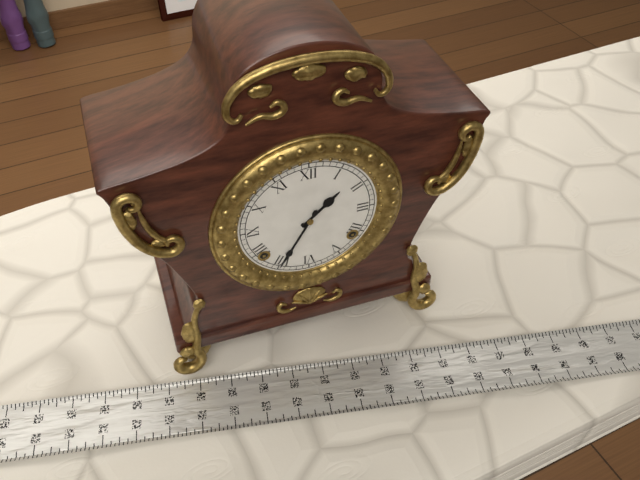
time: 1:35
